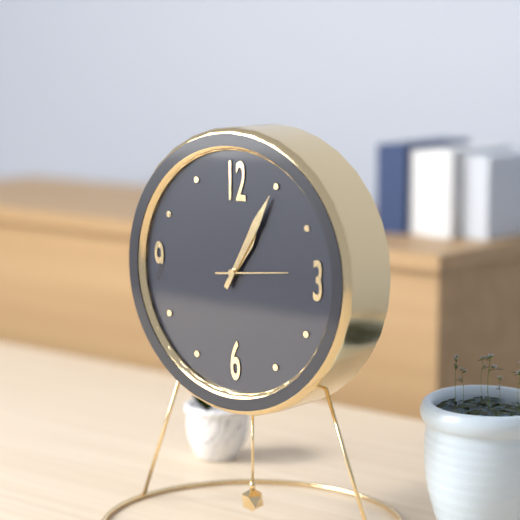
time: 1:05:14
